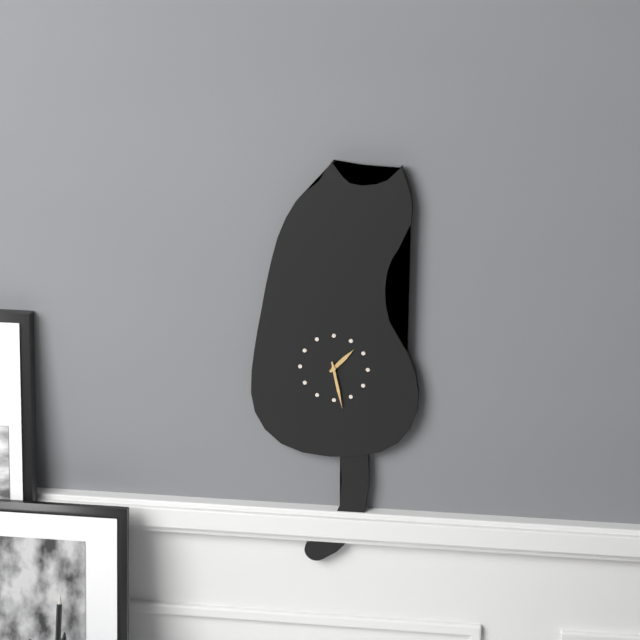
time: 1:28
